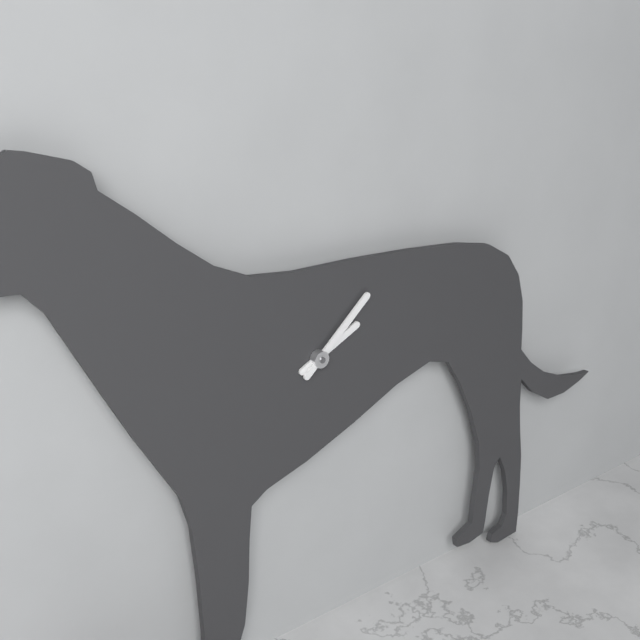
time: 2:08
